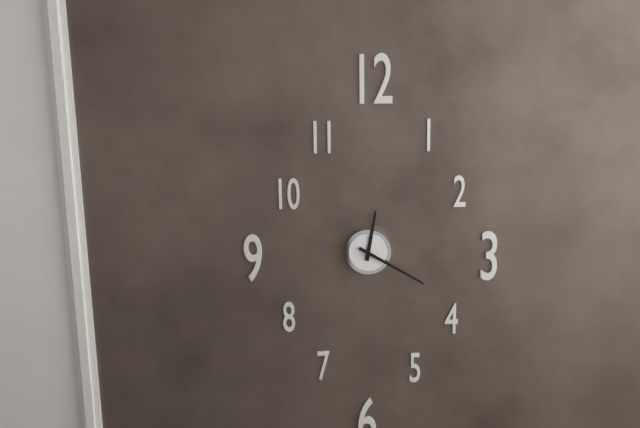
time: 12:20
